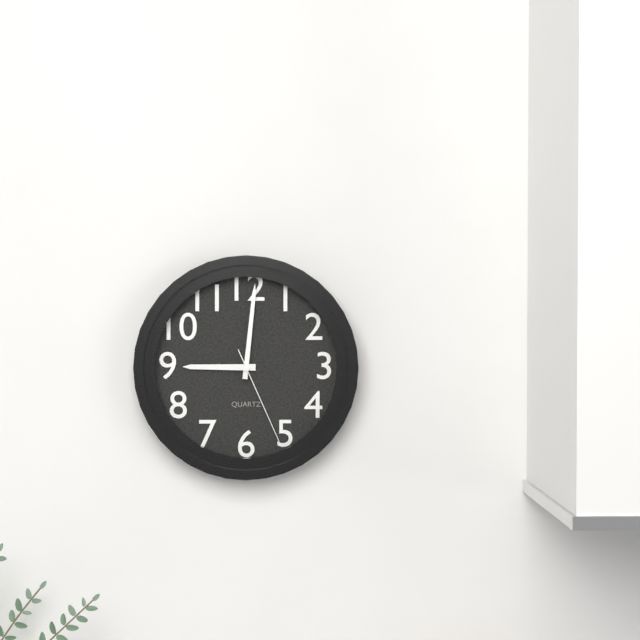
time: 9:01:26
